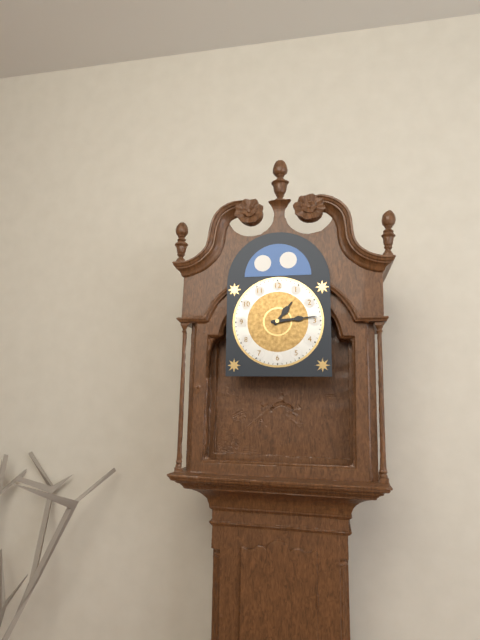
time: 1:14
